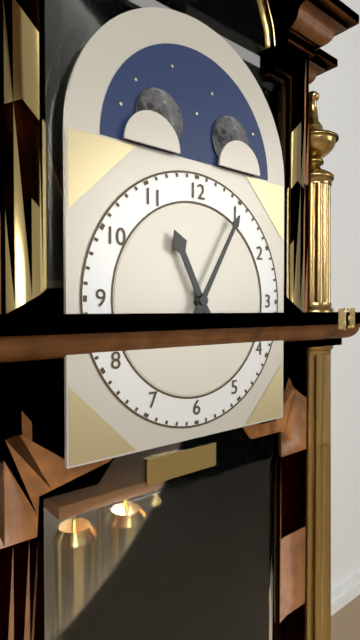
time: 11:05
